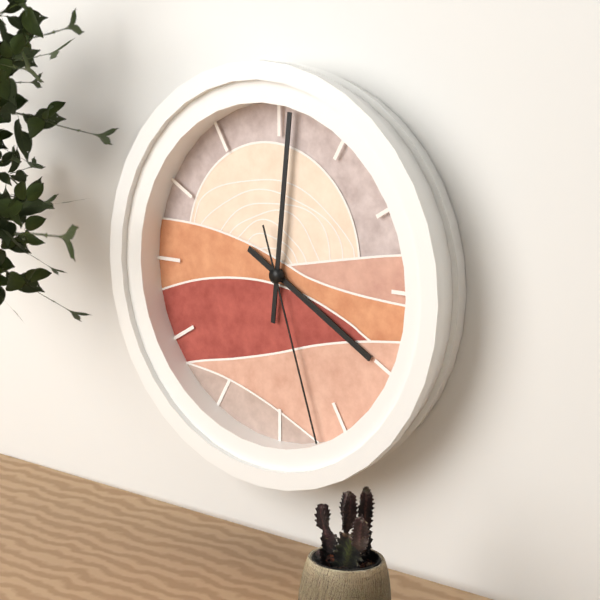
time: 4:01:27
